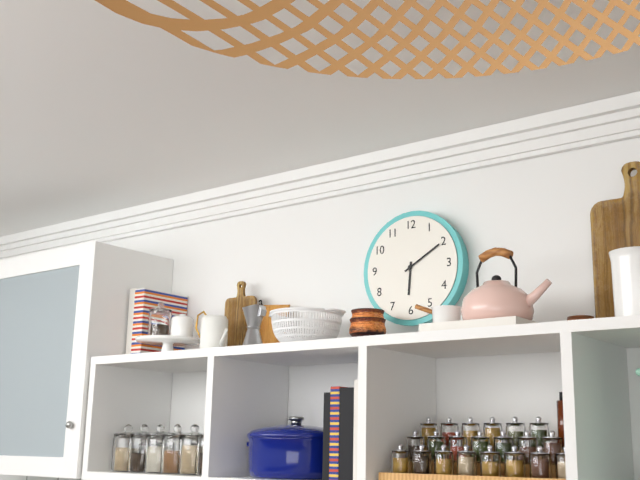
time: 6:10
